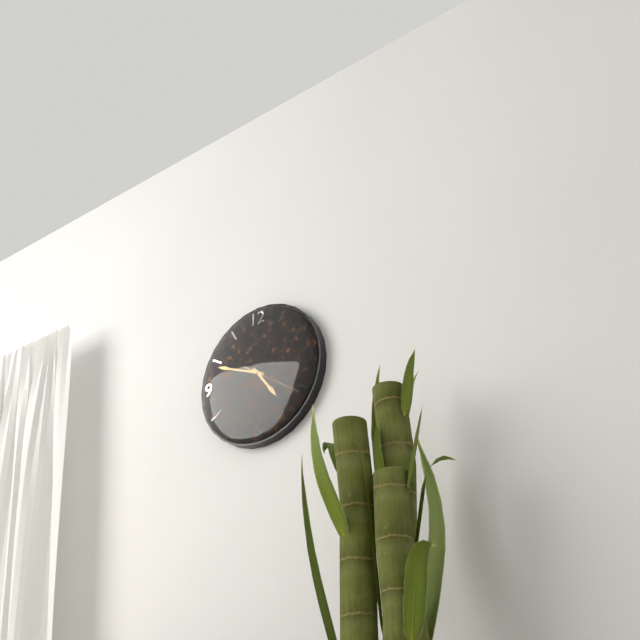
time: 4:49:21
